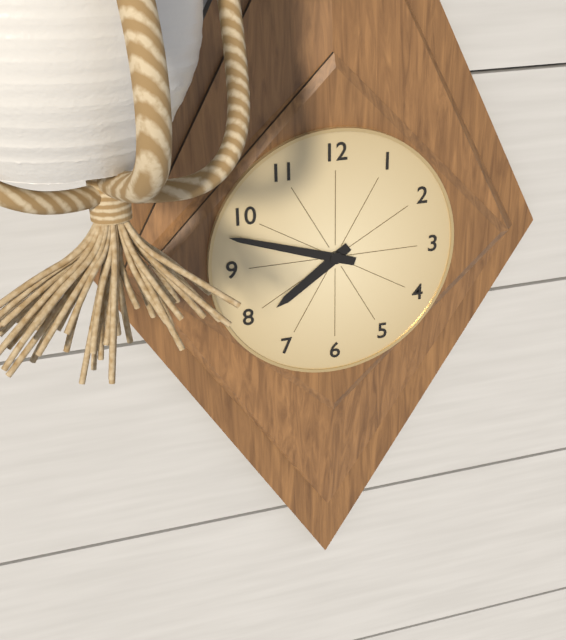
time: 7:48
